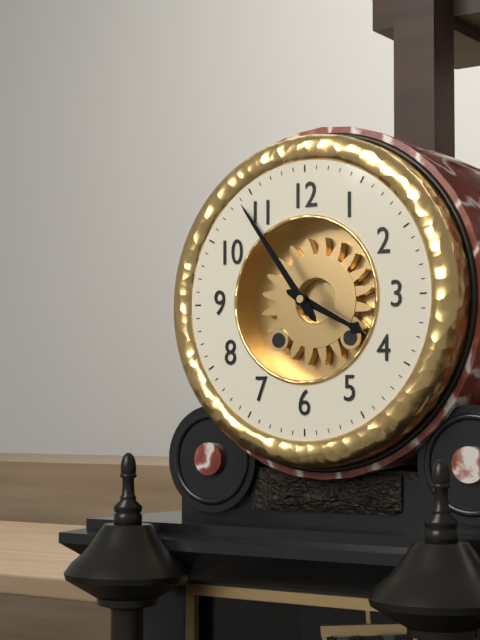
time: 3:54
